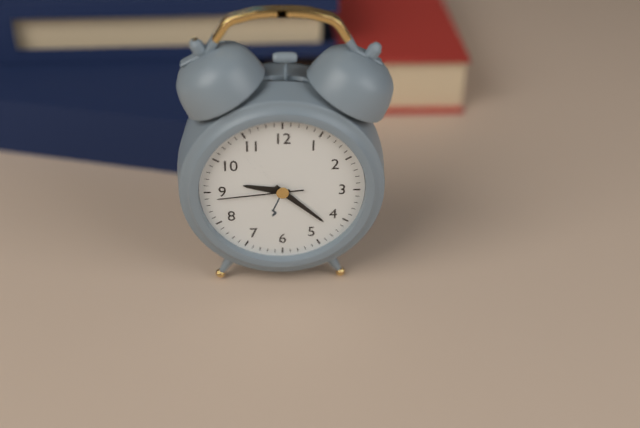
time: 9:22:44
